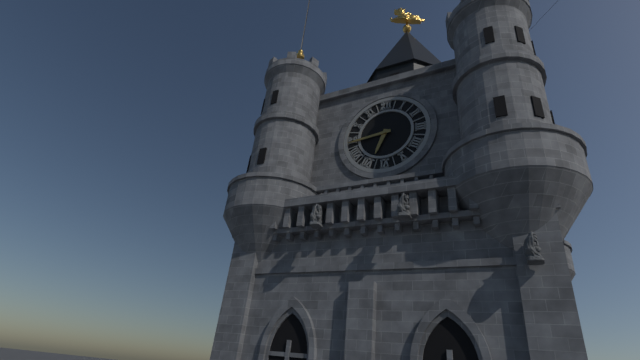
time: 6:44
